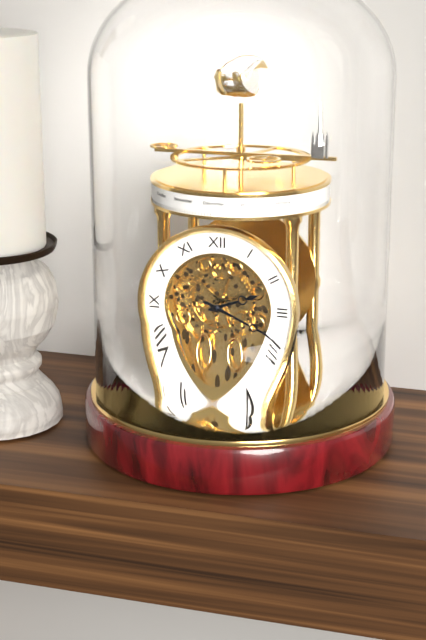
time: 2:19
